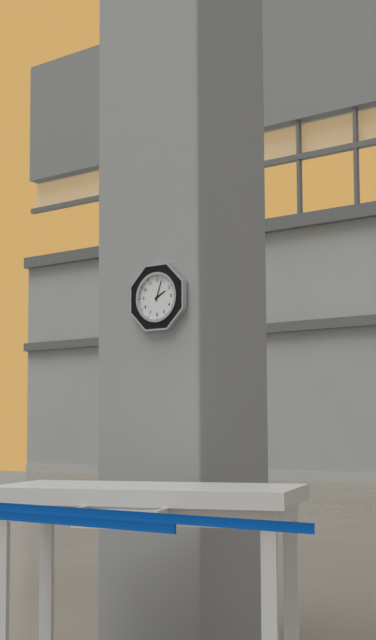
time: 2:03
